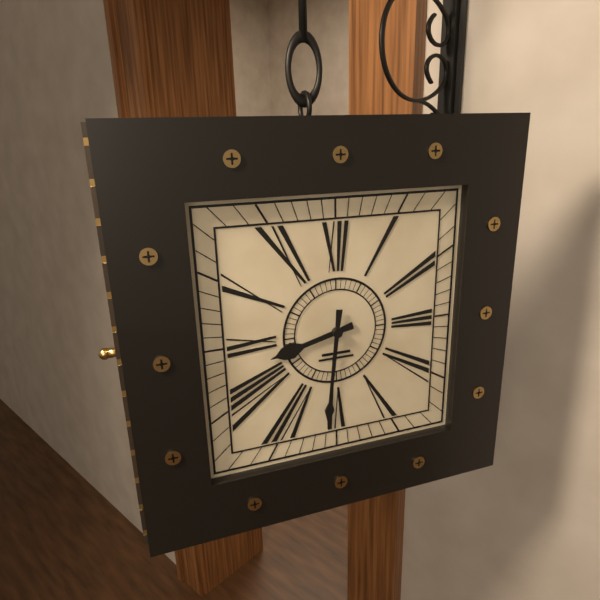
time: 8:31
